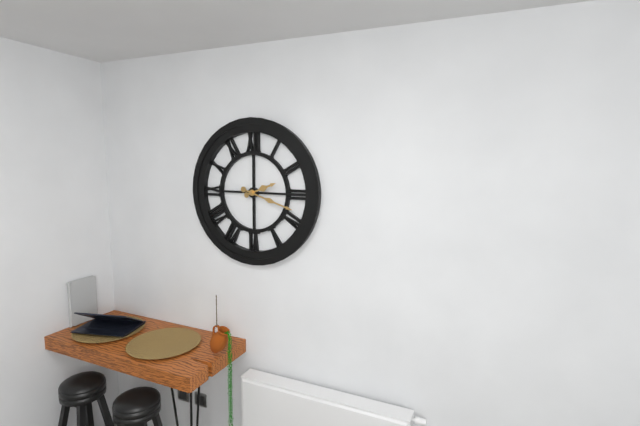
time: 2:18
